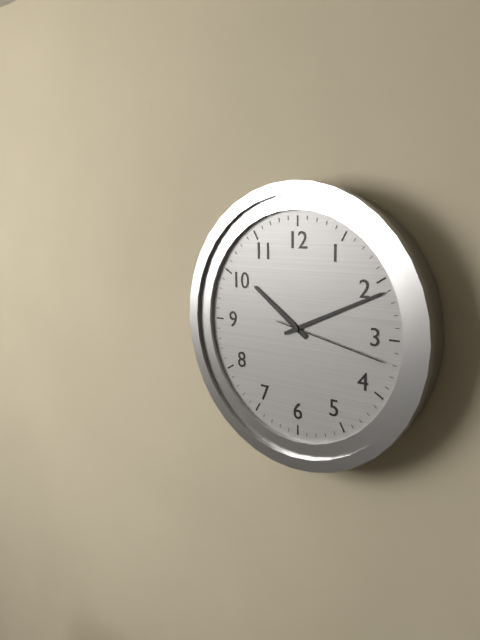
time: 10:11:17
